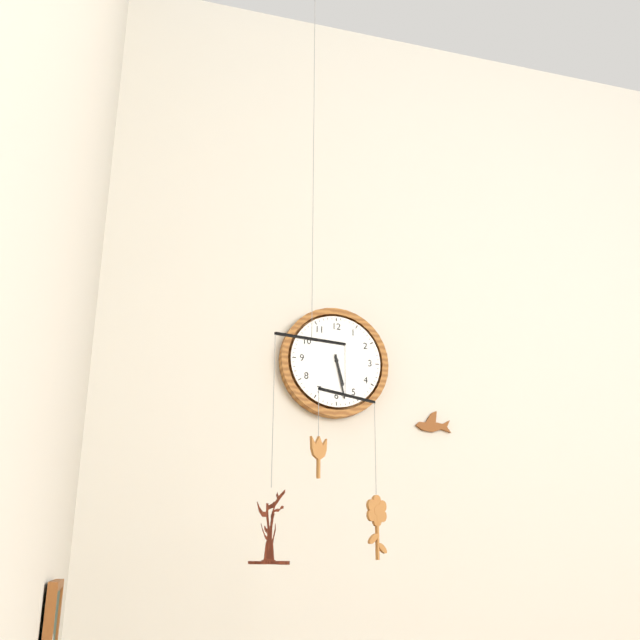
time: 5:28
